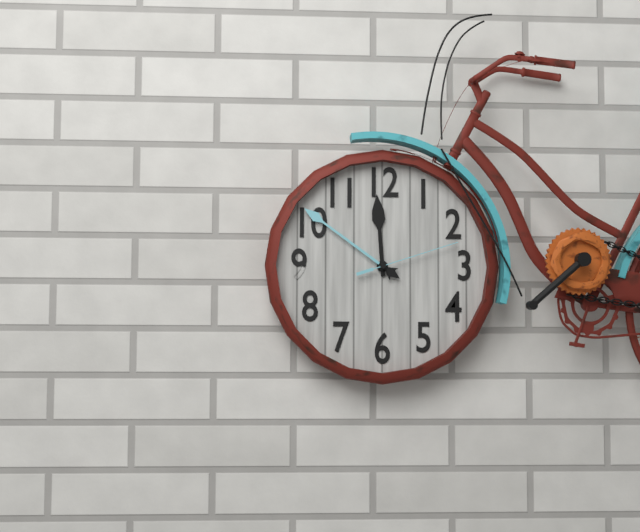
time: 11:51:12
